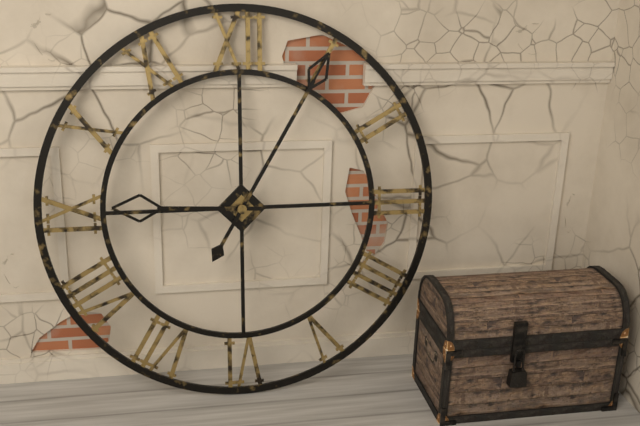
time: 9:05
